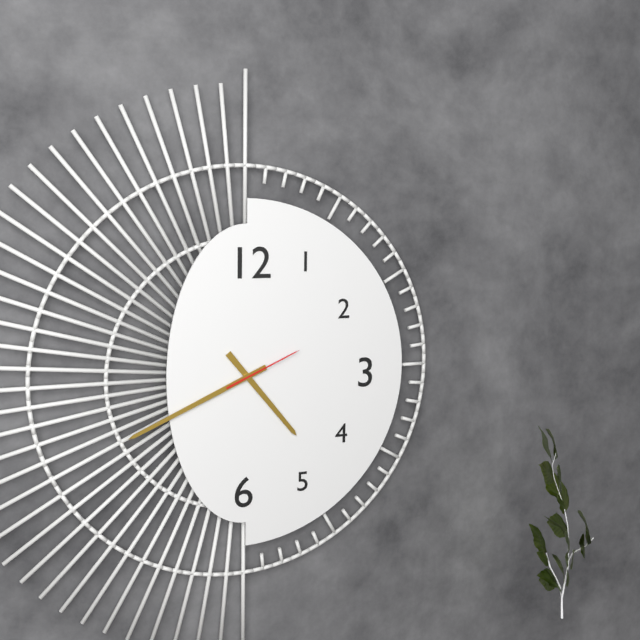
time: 4:41:11
